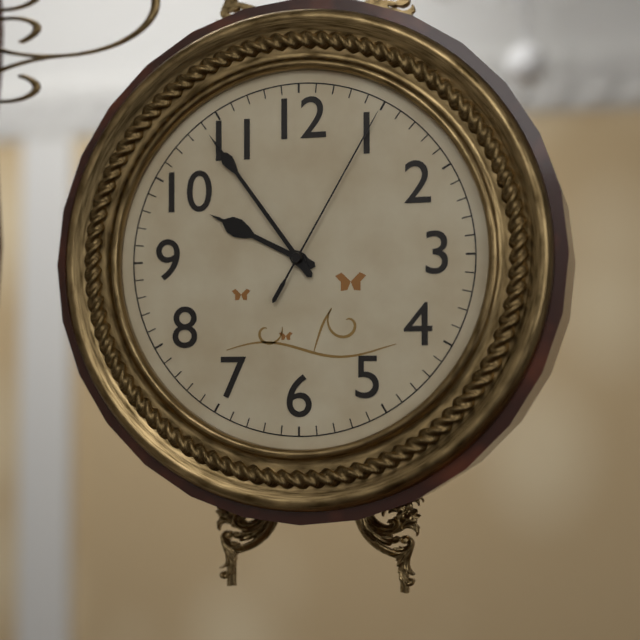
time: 9:54:05
